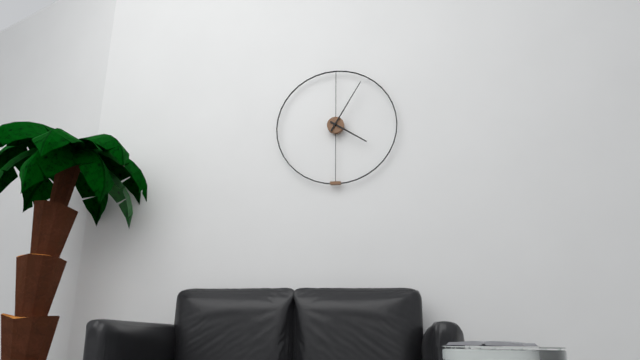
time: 4:05
